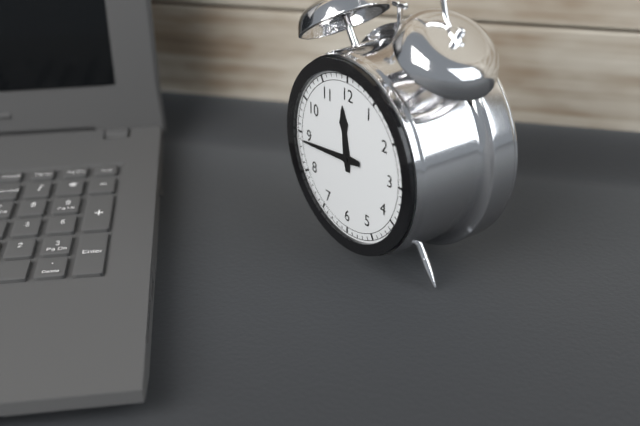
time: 11:44
